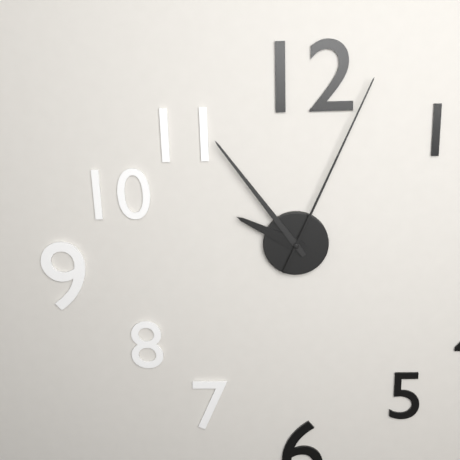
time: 9:54:04
